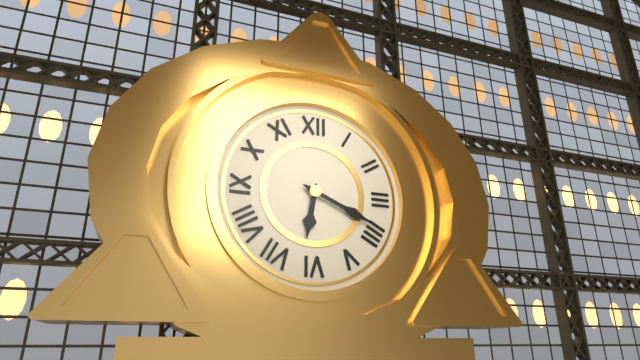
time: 6:19
